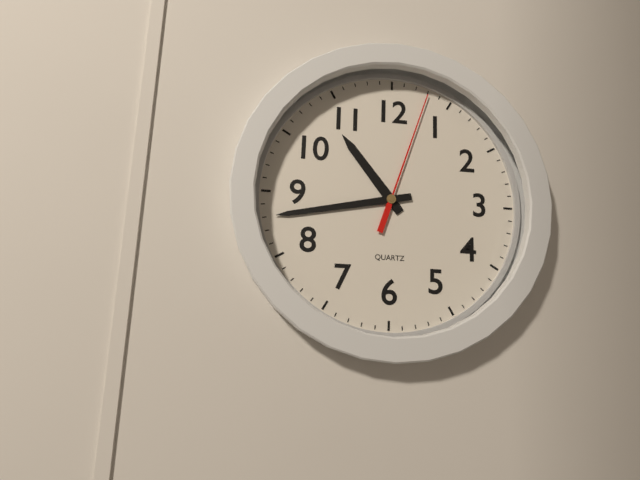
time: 10:43:03
